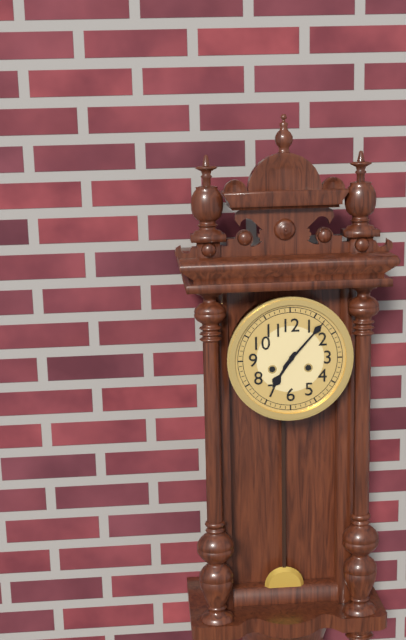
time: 7:07
